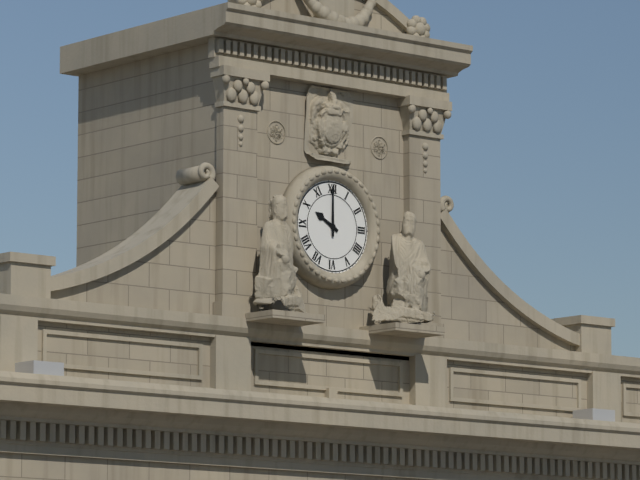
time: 10:00
